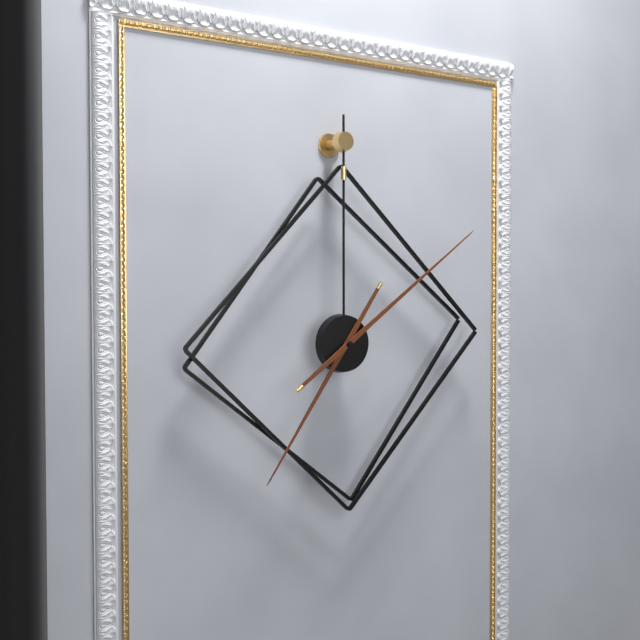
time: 7:09
